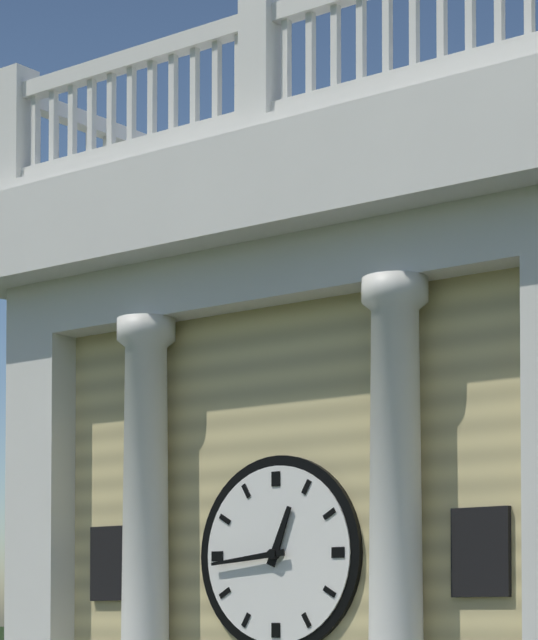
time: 12:44
